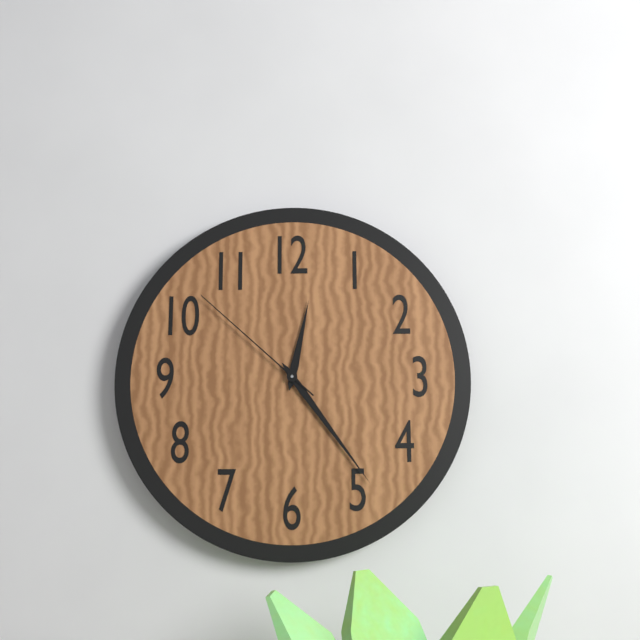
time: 12:24:52
